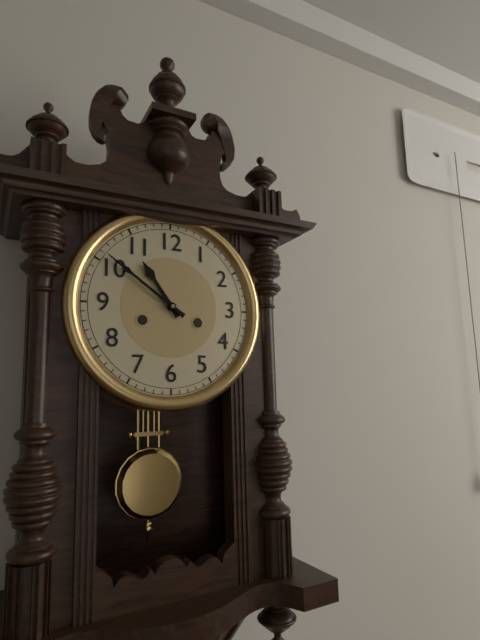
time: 10:51
